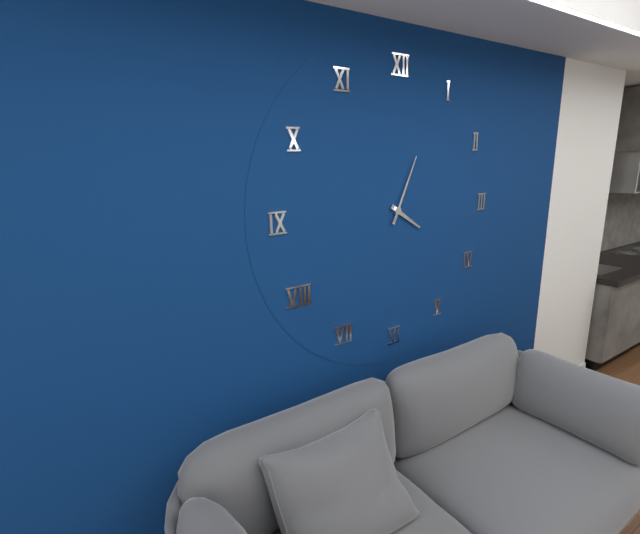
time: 4:04
